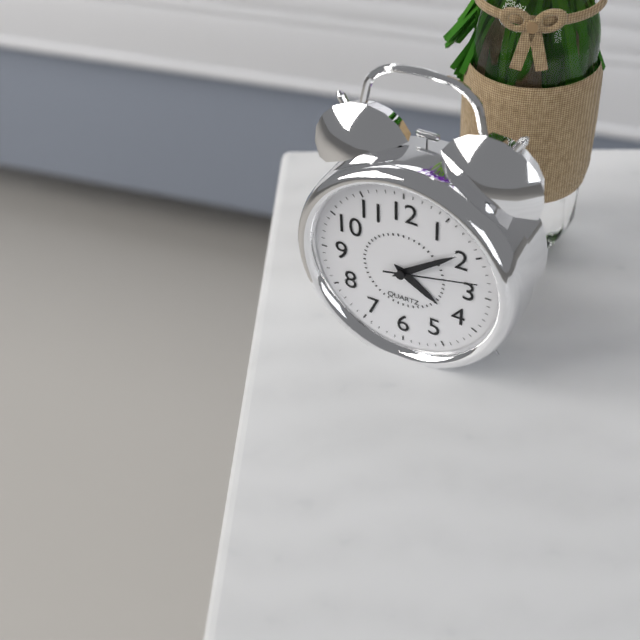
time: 4:09:13
